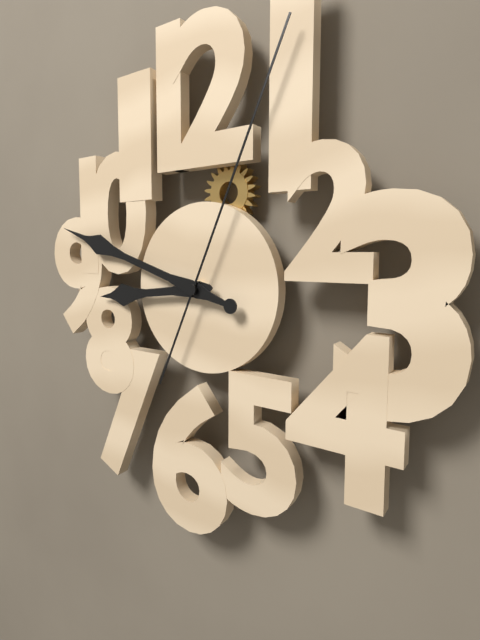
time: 8:48:04
